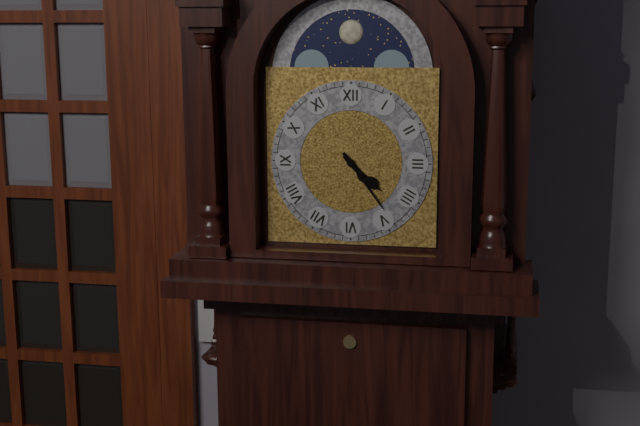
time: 4:24
